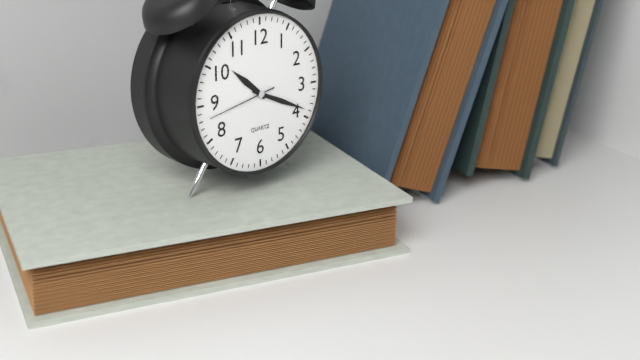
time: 10:19:43
